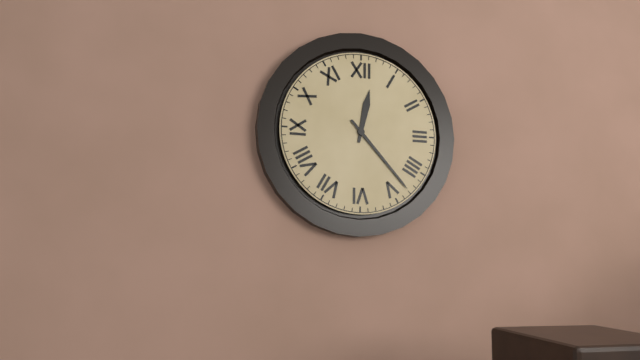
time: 12:23
